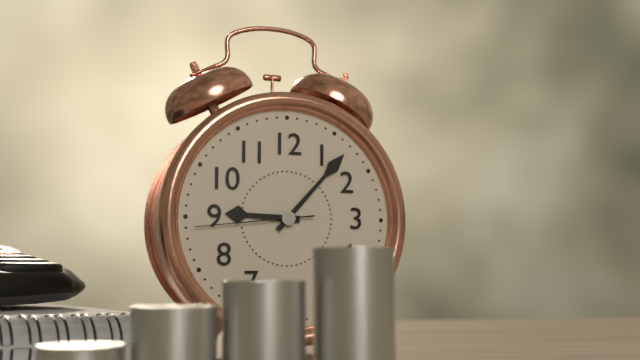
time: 9:07:44
